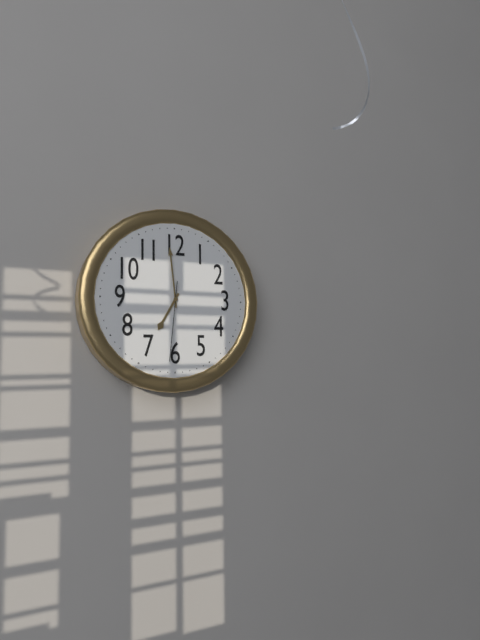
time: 6:59:31
